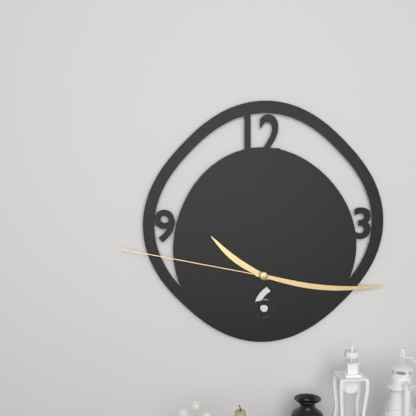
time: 10:16:47
